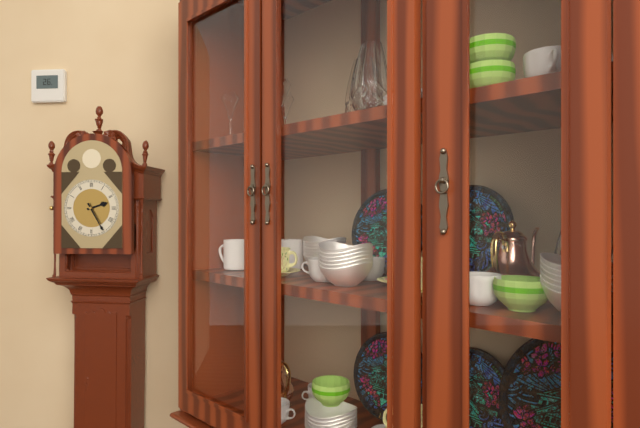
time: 2:25
